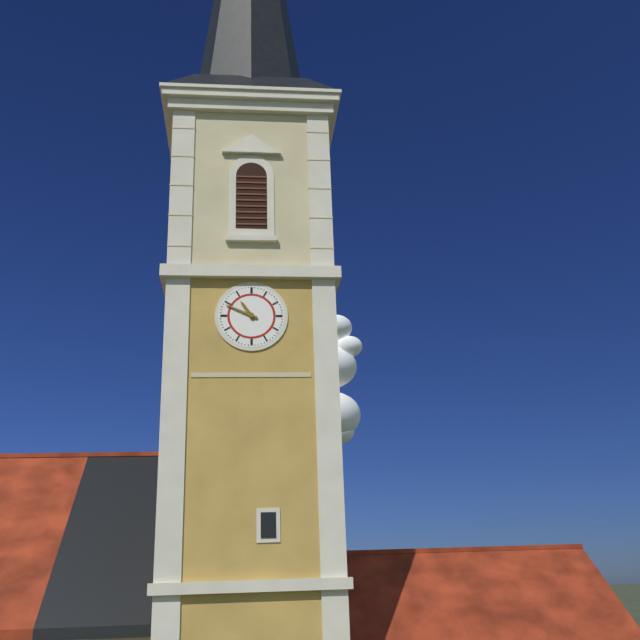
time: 10:49
